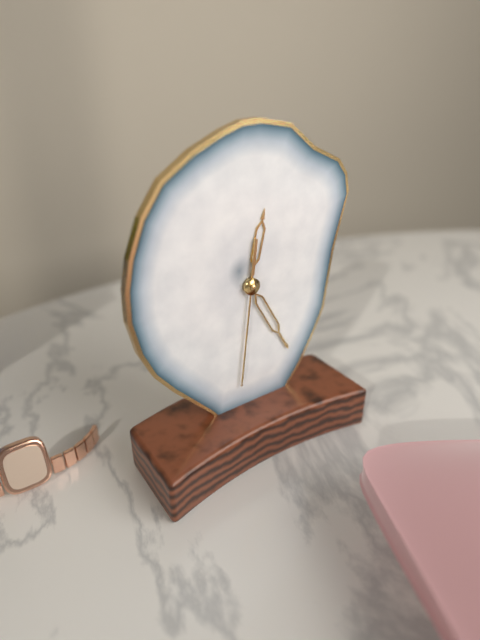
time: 12:25:31
